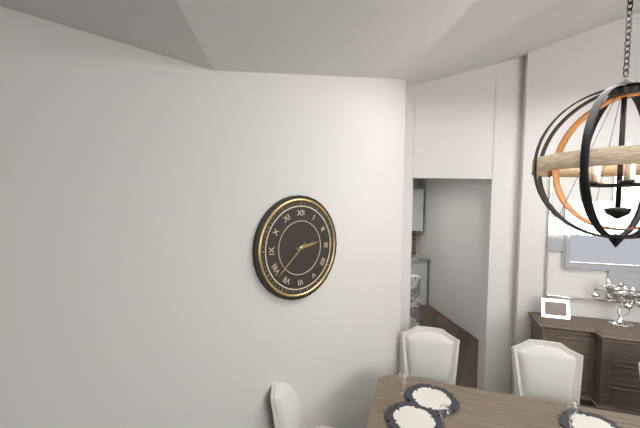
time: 2:38
